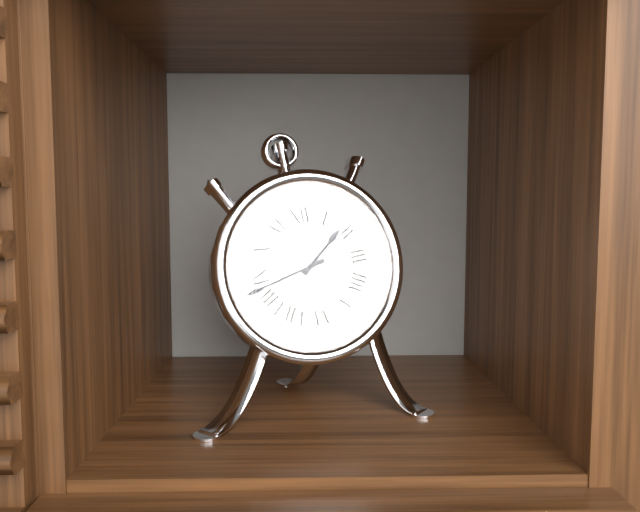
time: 1:43
